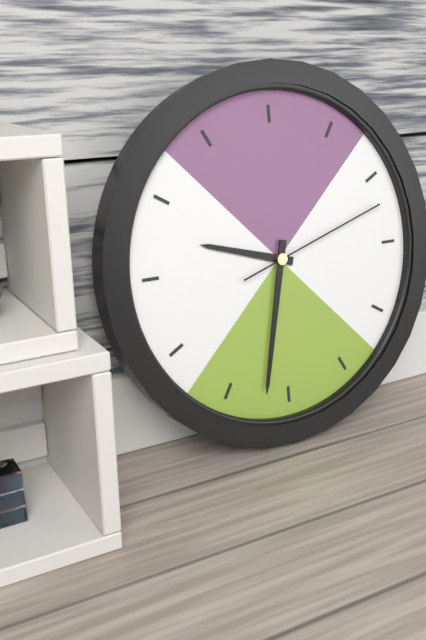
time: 9:32:12
